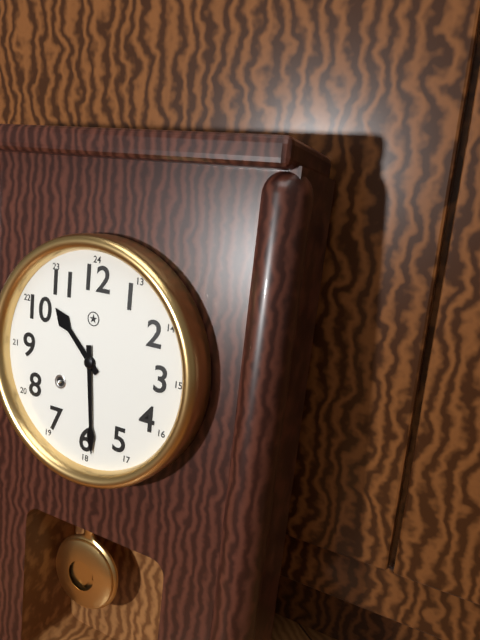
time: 10:29
